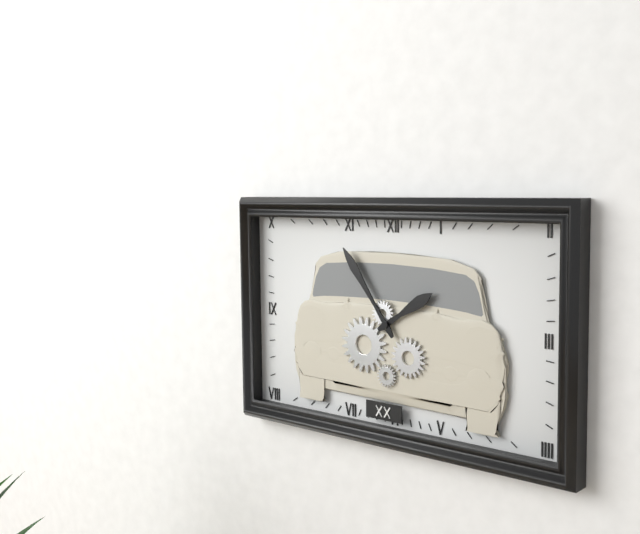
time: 1:54
